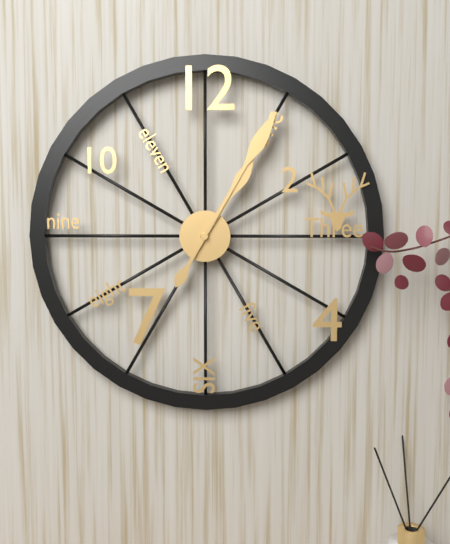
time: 1:05
